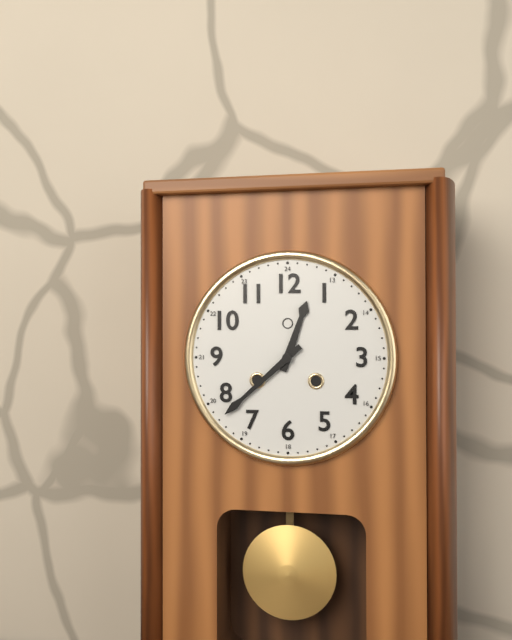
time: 12:38
